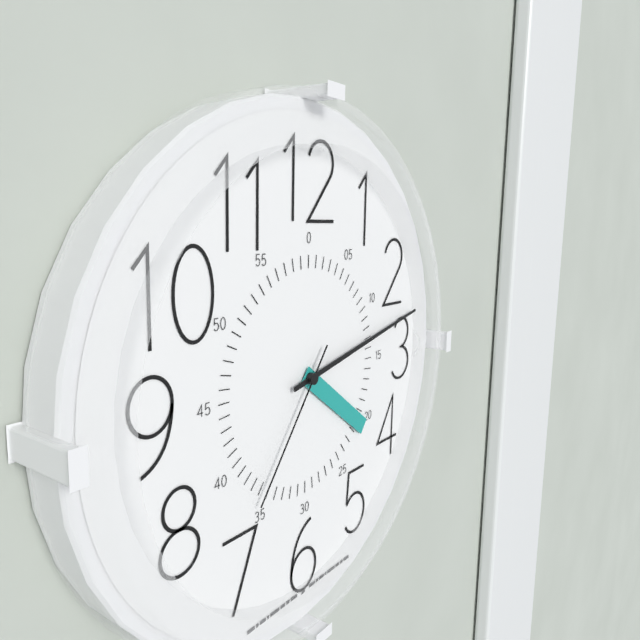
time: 4:13:36
